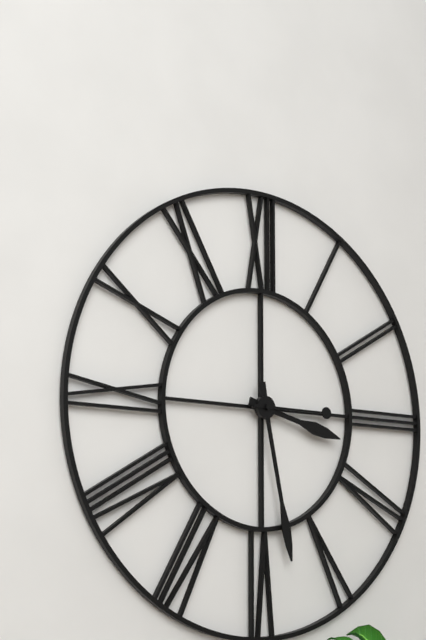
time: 3:28:15
